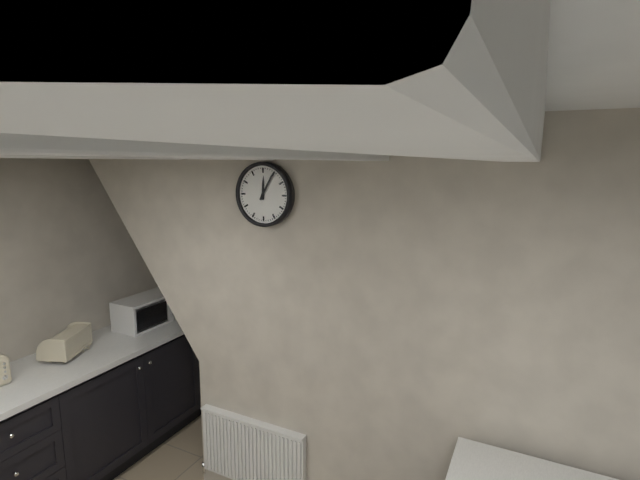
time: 12:05
